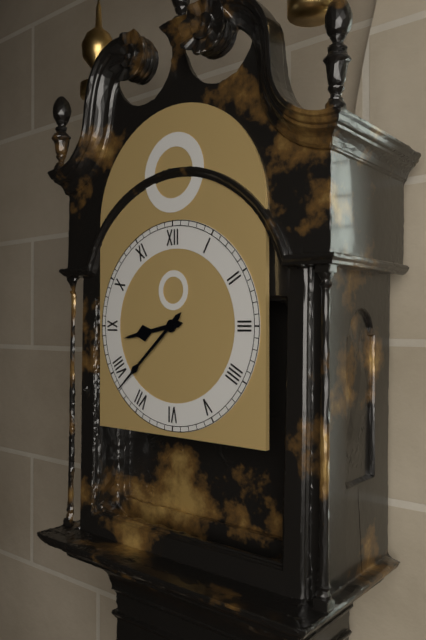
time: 8:38
